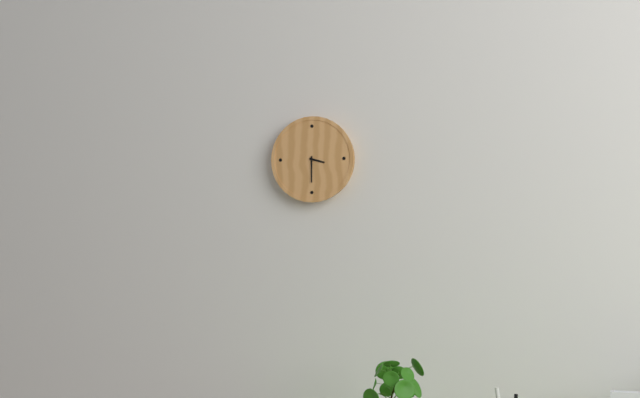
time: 3:30
